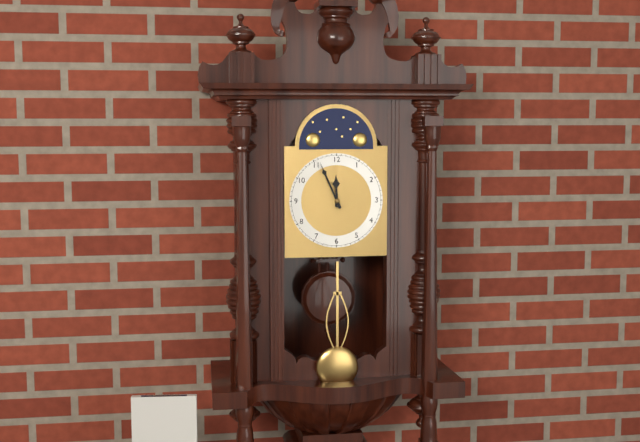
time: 11:56
